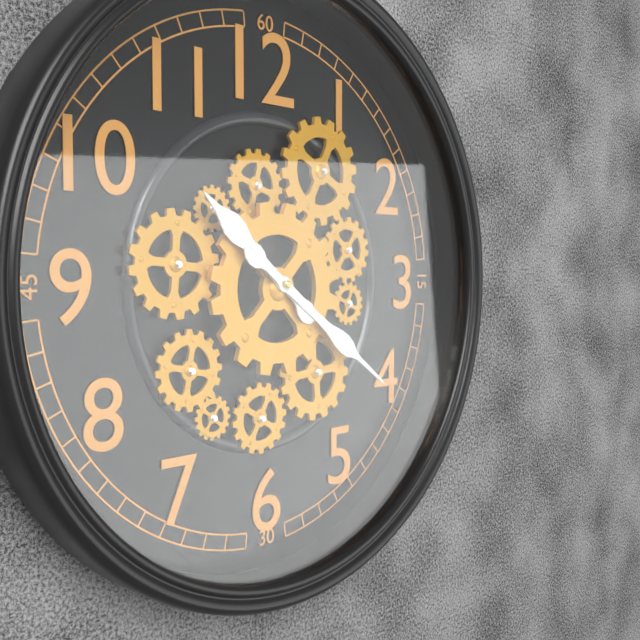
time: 10:21
